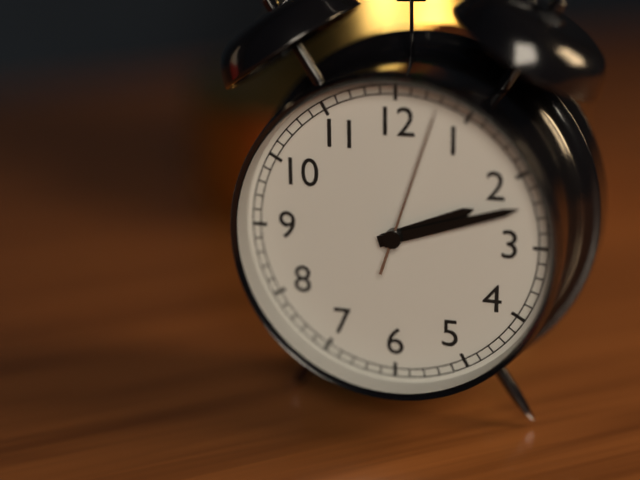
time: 2:12:03
